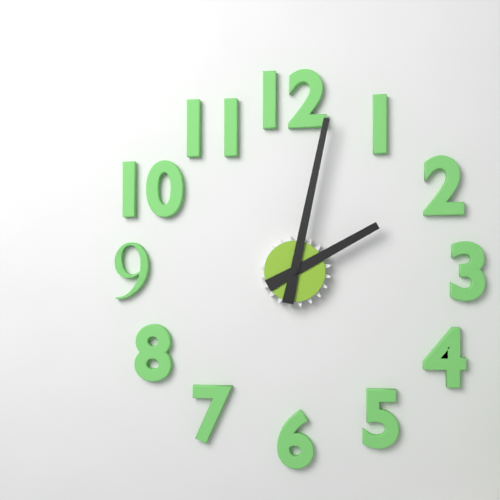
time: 2:02
